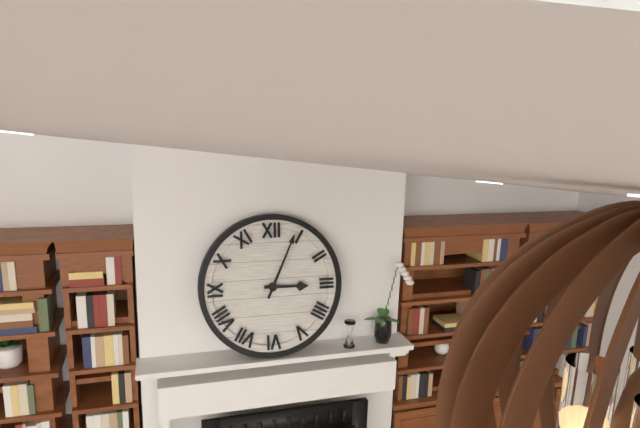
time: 3:04
